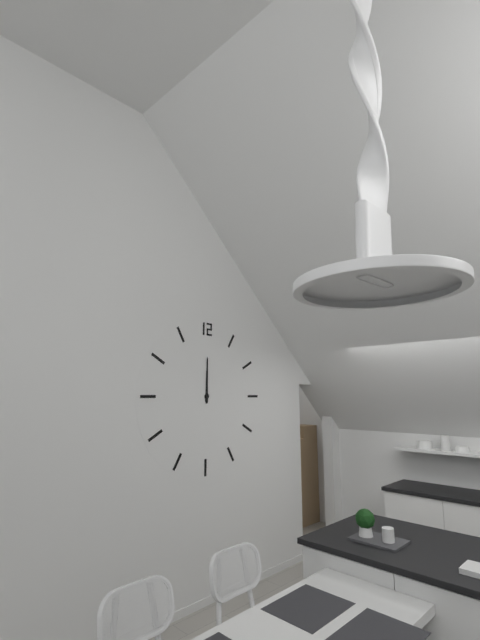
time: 12:00
